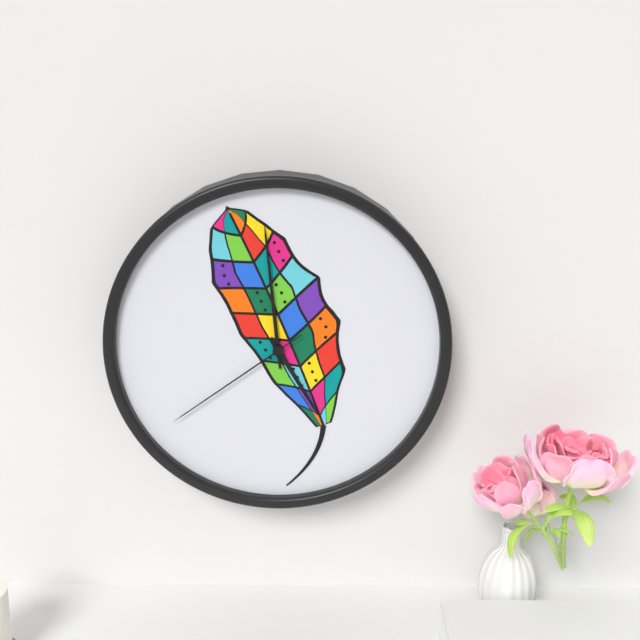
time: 4:59:39
